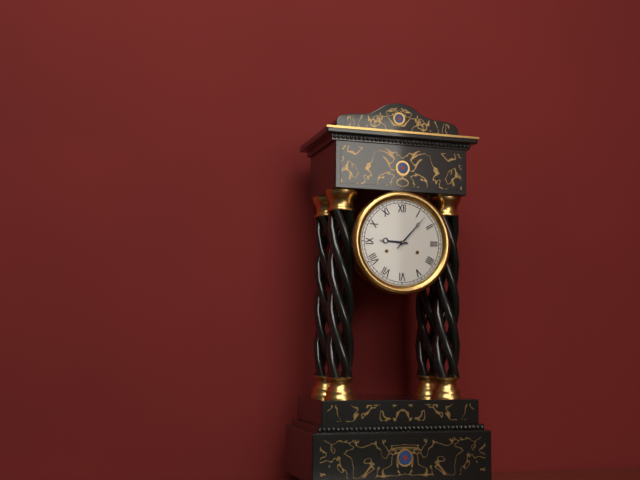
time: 9:07
